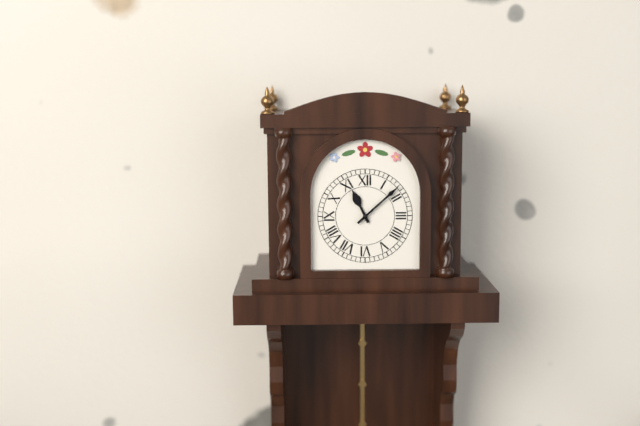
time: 11:08
